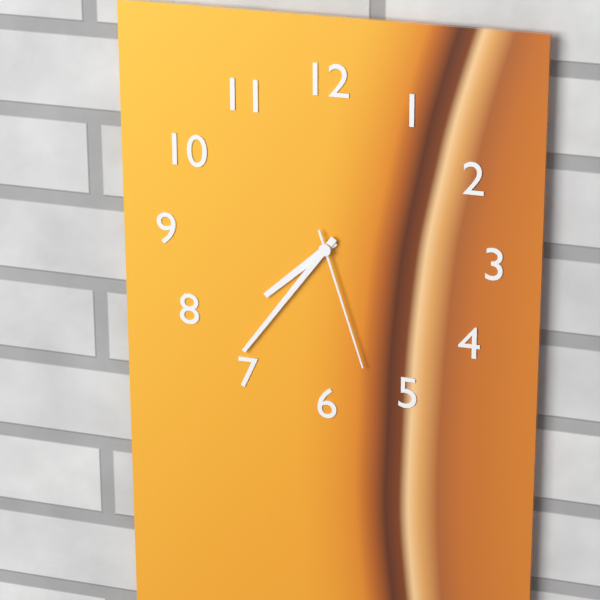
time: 7:36:27
